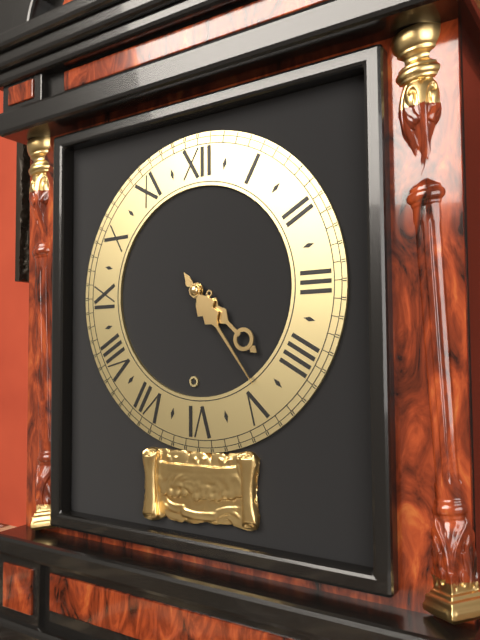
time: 4:24
